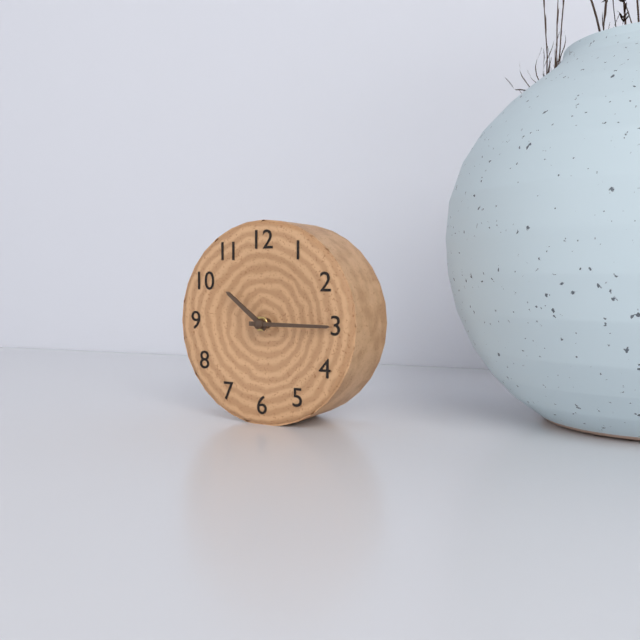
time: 10:15
